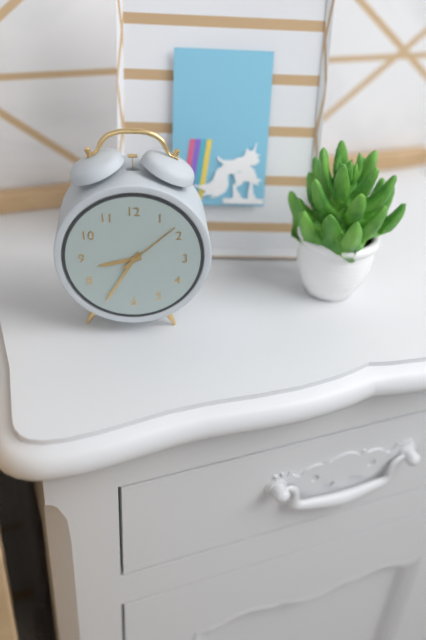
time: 8:35:08
